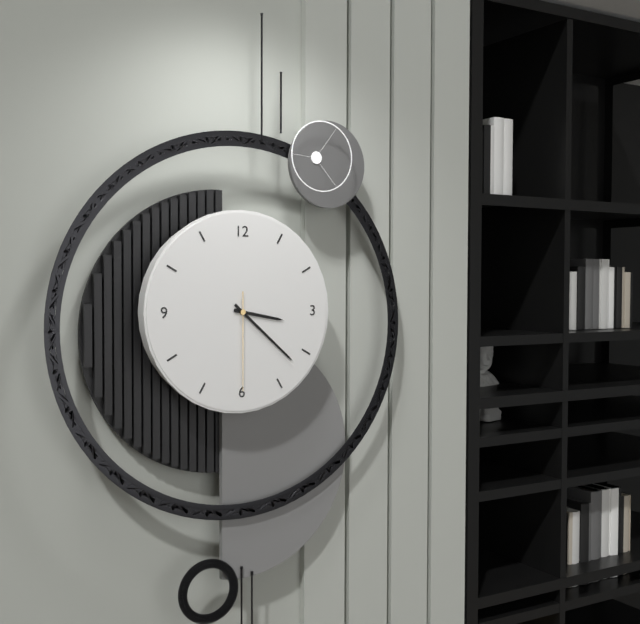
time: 3:22:30
